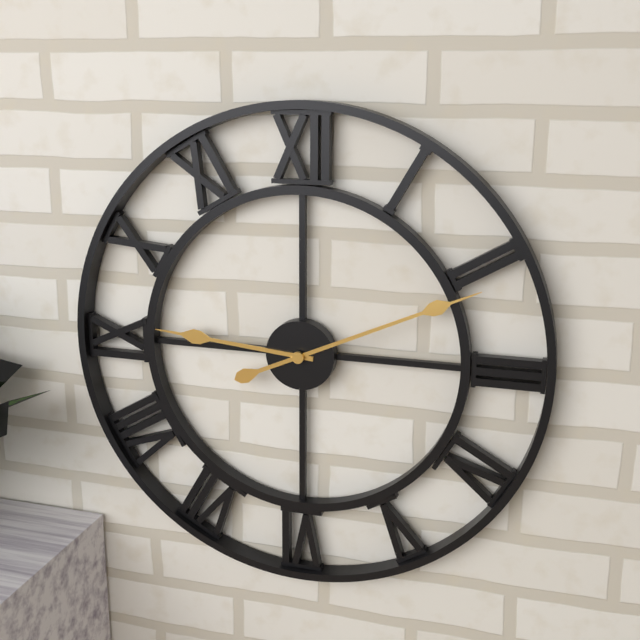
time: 9:11
